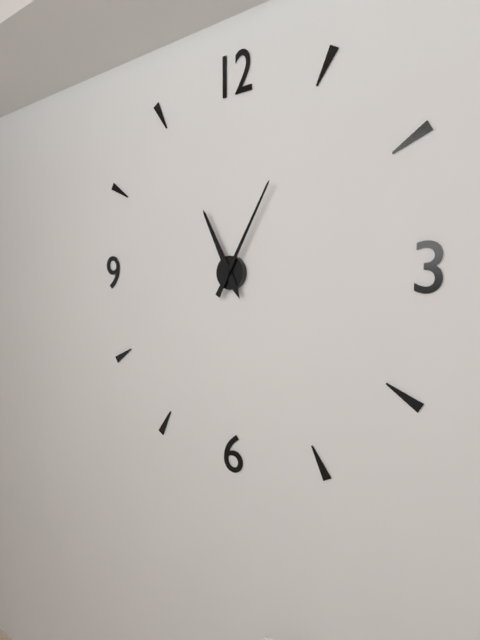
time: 11:05
